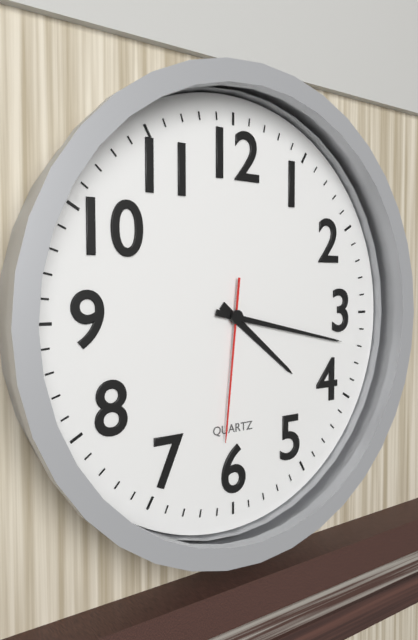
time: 4:17:31
